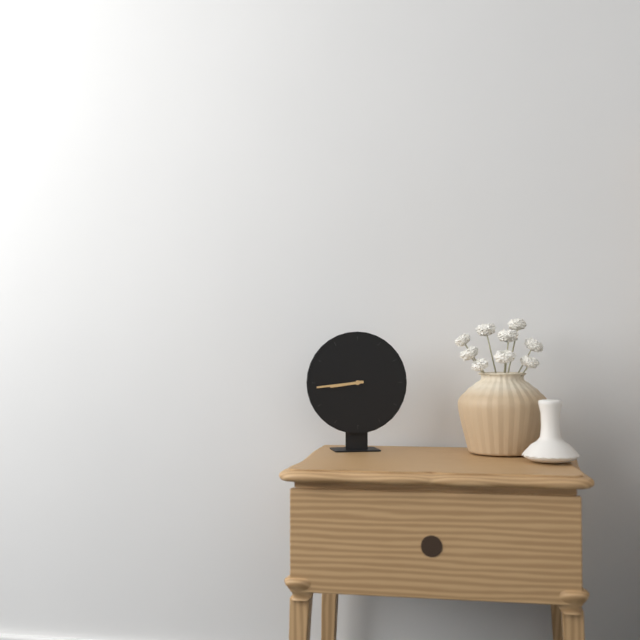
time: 8:44
